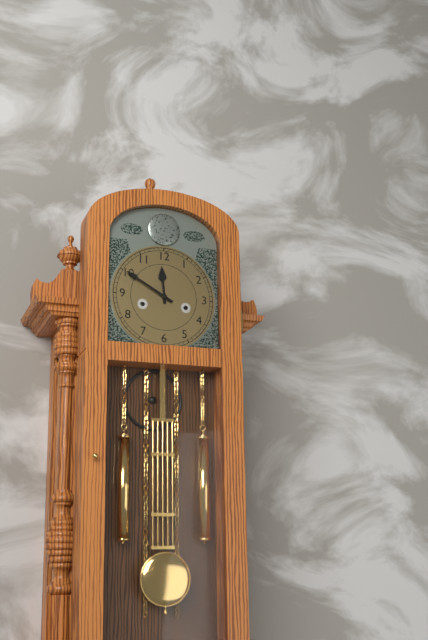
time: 11:50
